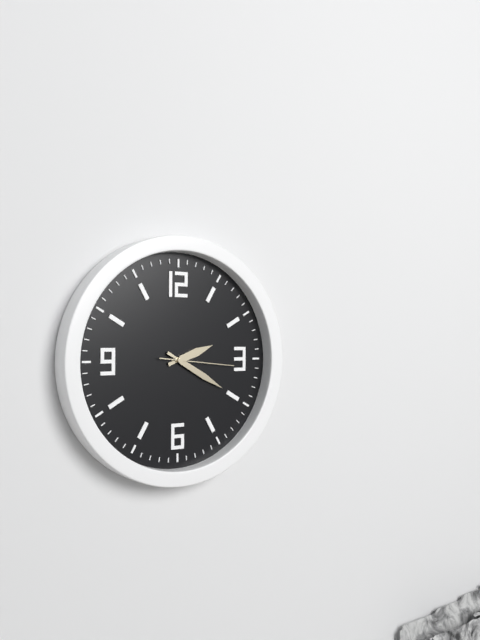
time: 2:20:16
